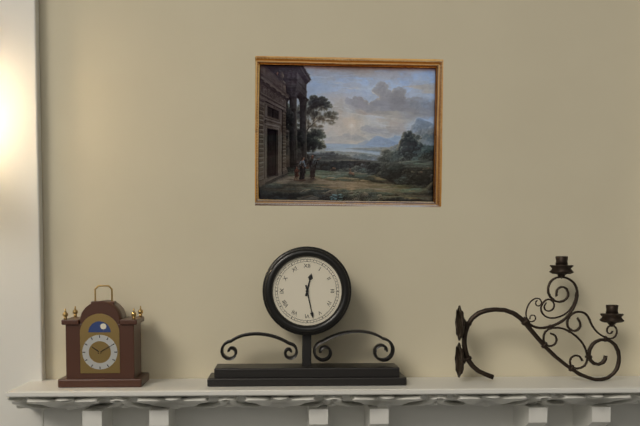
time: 12:28
